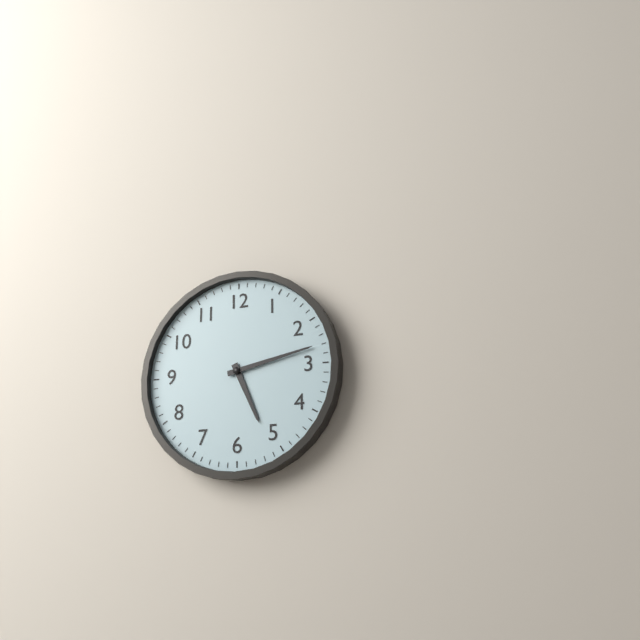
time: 5:13
